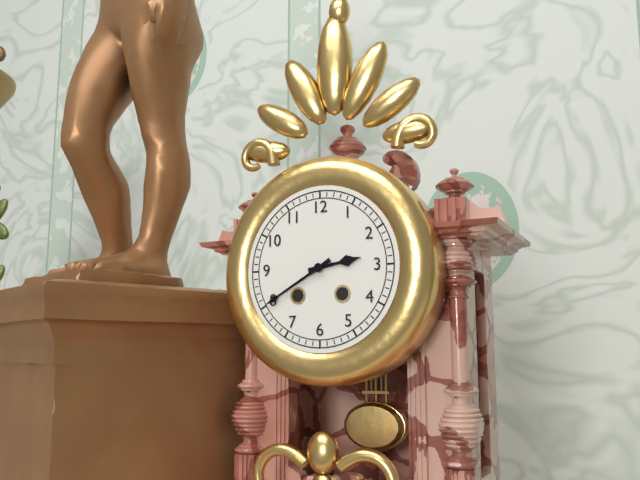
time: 2:40
